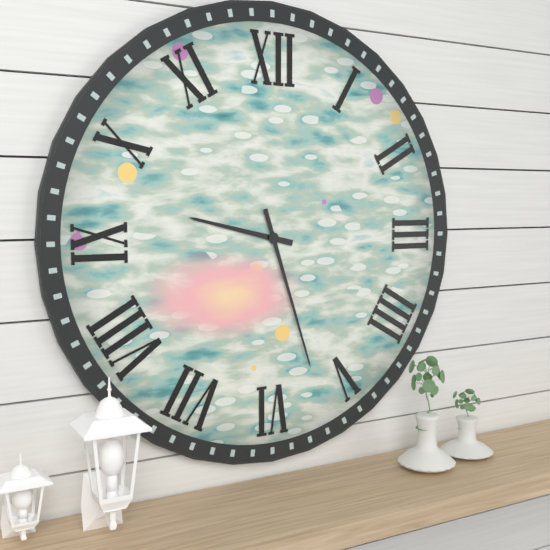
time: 9:27
